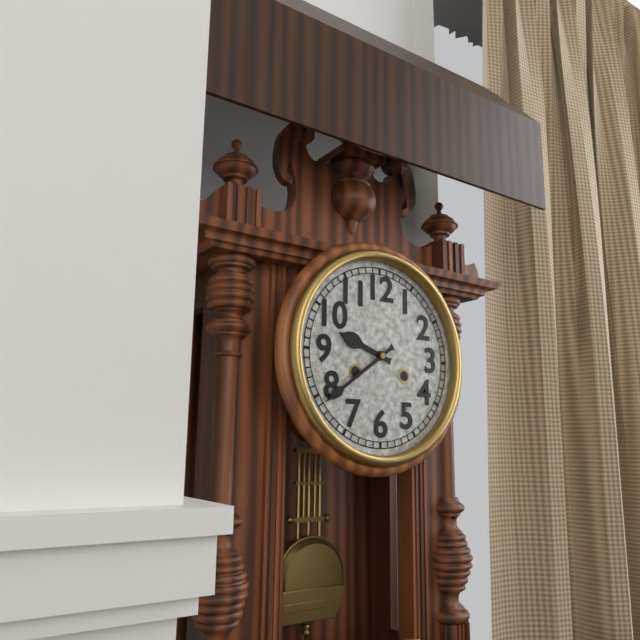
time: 9:39
